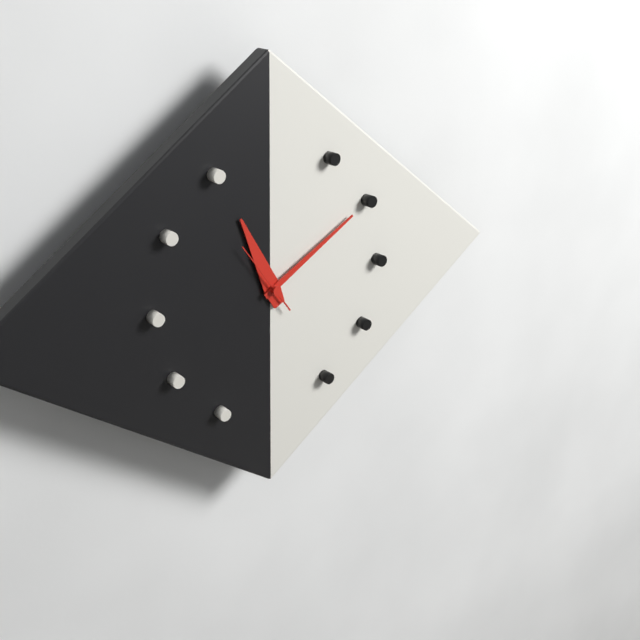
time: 11:10:54
